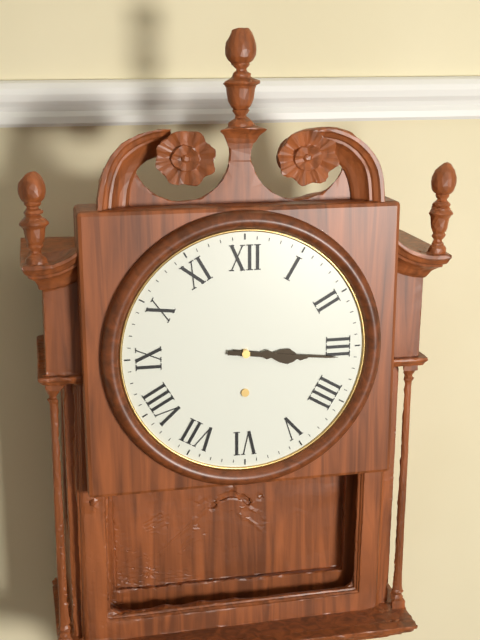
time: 3:16
